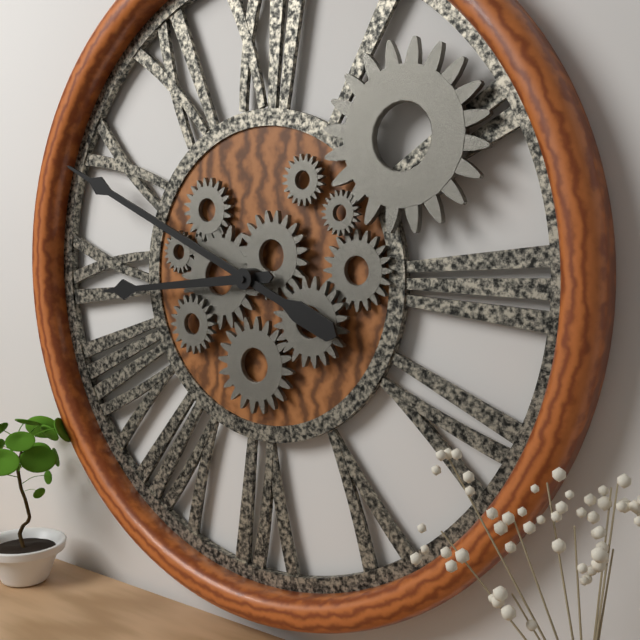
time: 8:49
